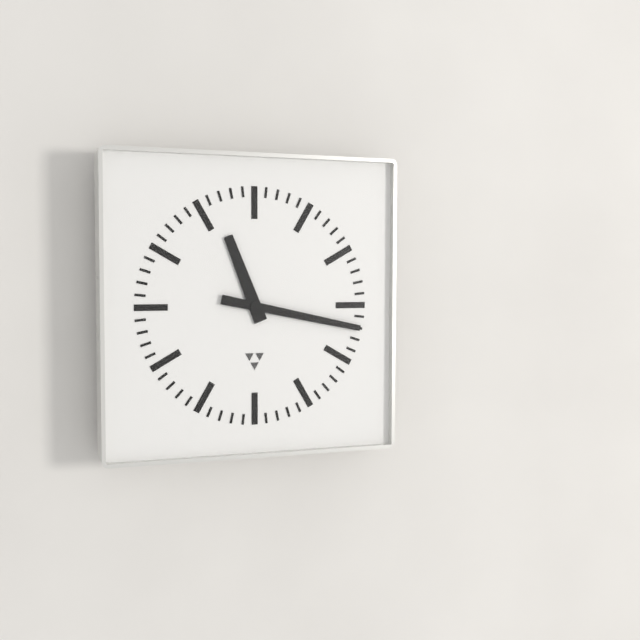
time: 11:17
